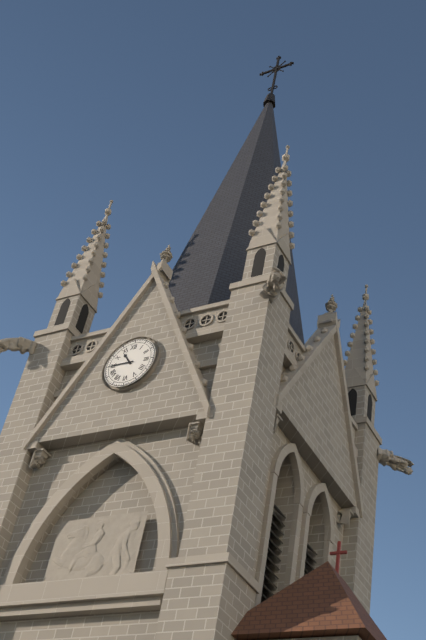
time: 10:45
